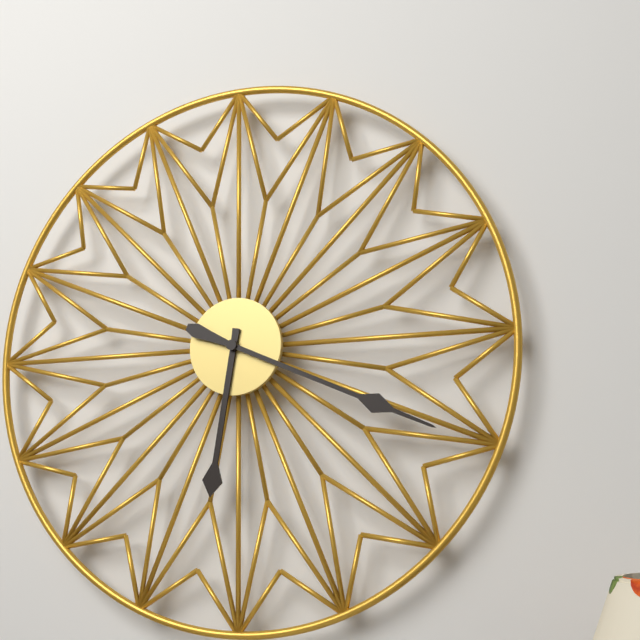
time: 6:19
